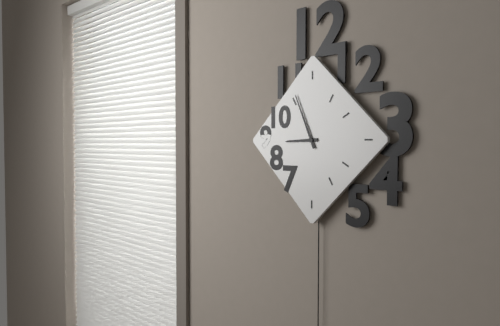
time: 8:56
